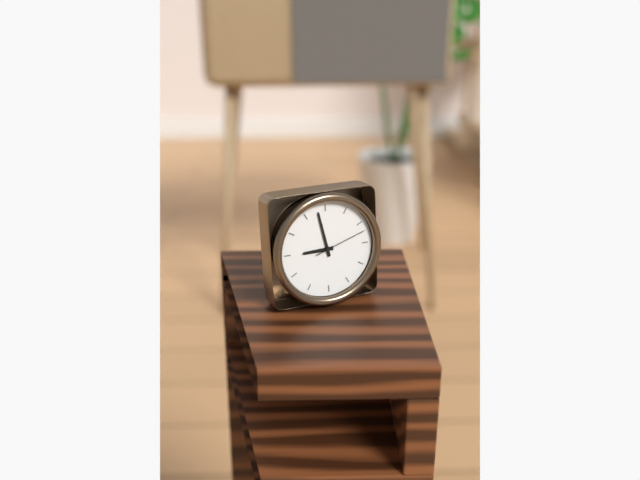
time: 8:58:12
